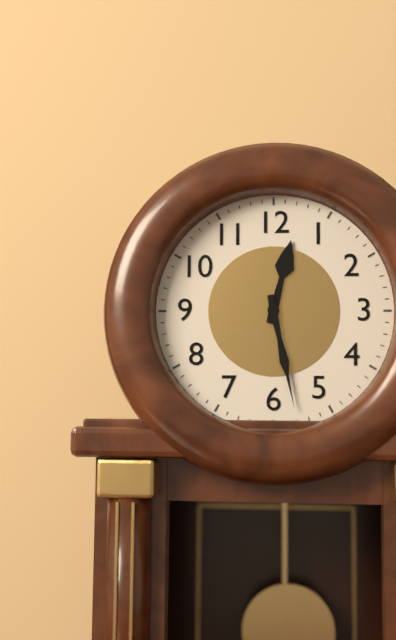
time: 12:28
